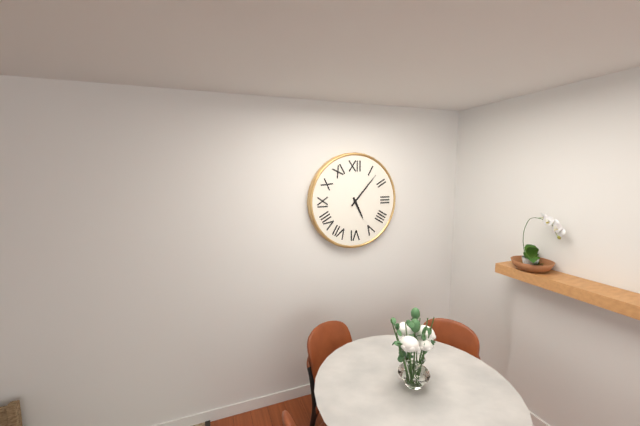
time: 5:07
